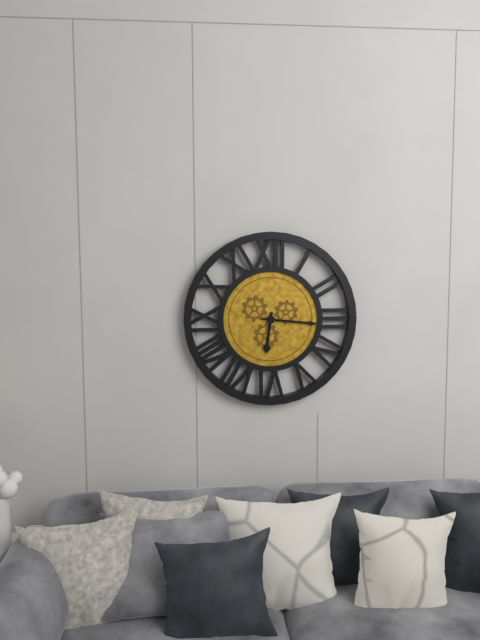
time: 6:16
